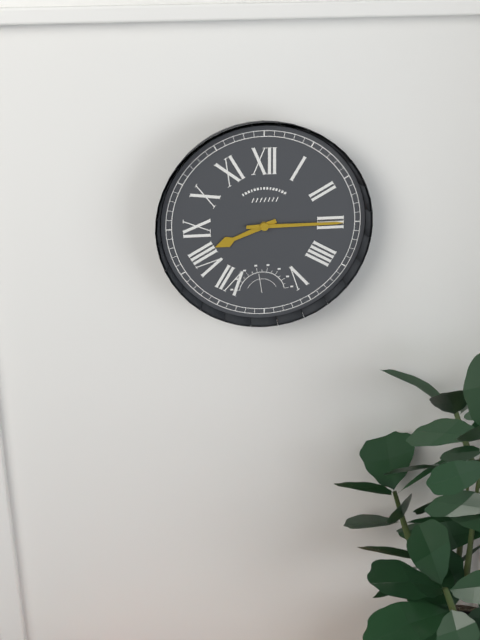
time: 8:15
